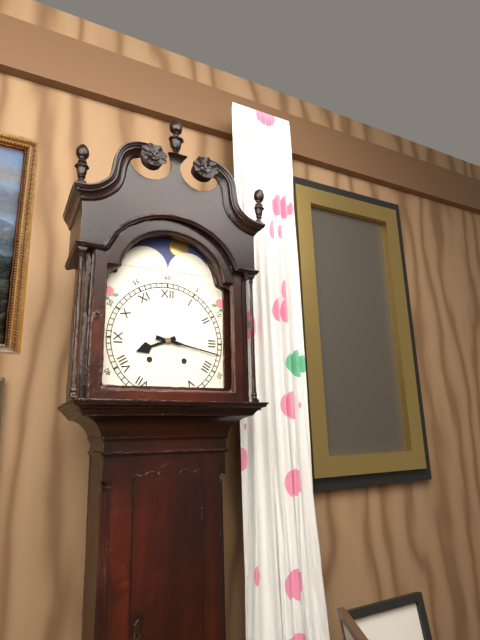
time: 8:17
